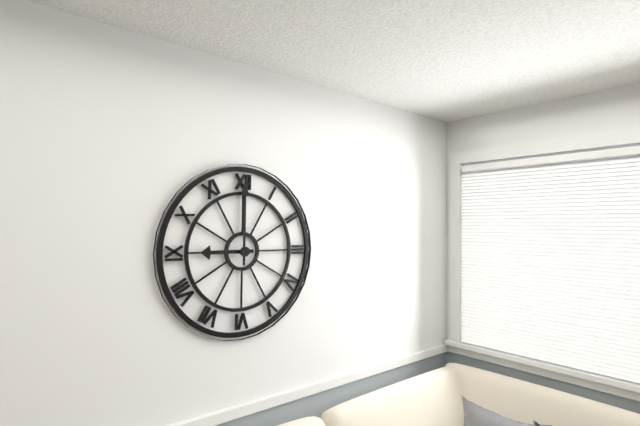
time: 9:00
